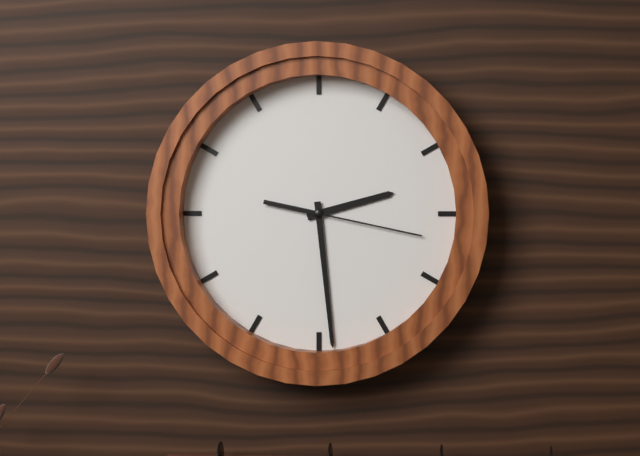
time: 2:29:17
